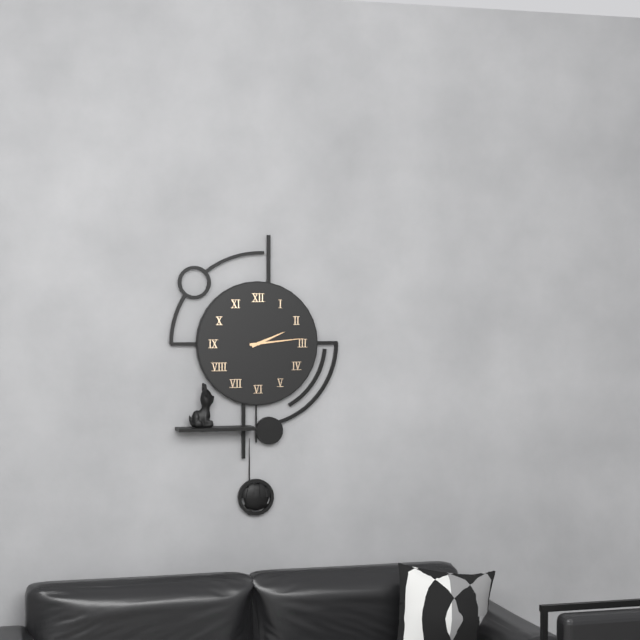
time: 2:14
